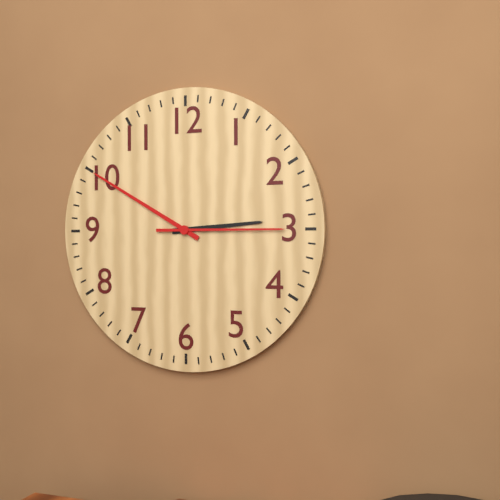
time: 2:50:15
